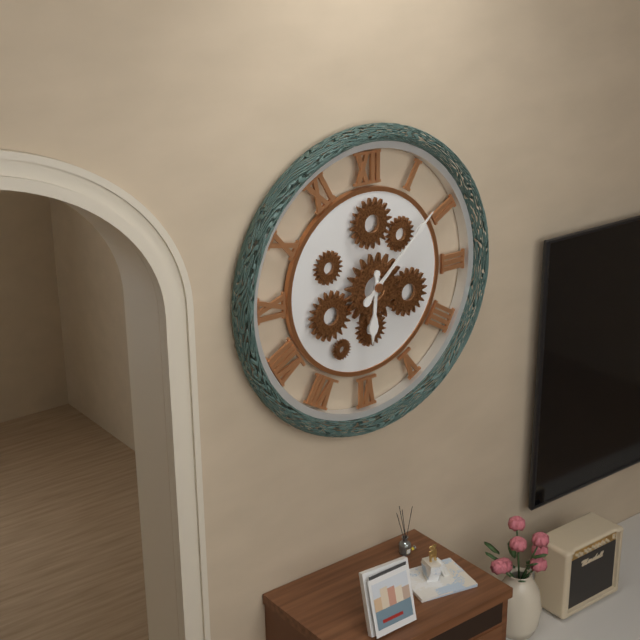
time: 6:08
